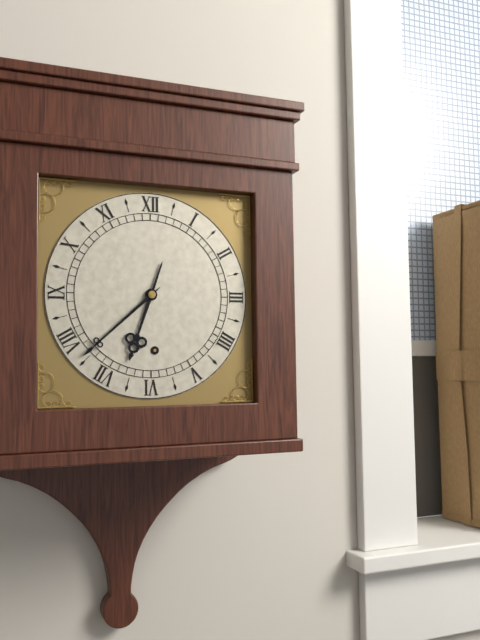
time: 6:38
